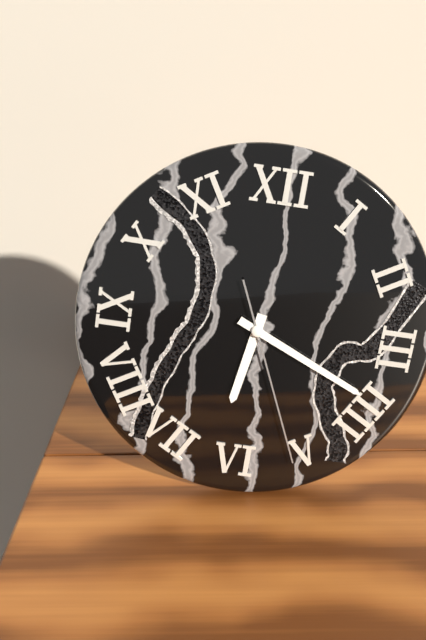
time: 6:19:26
